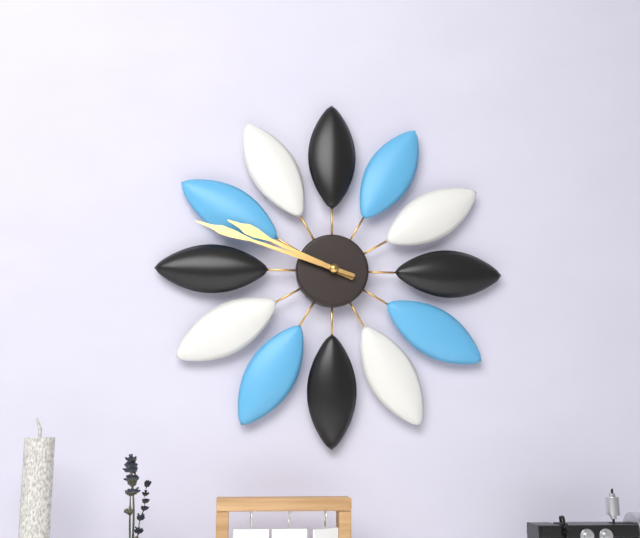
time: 9:48
